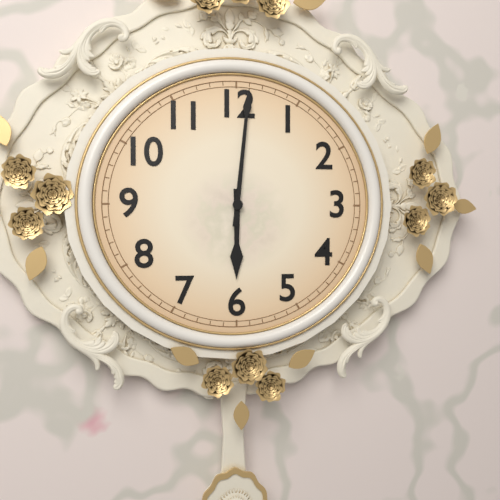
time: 6:01
